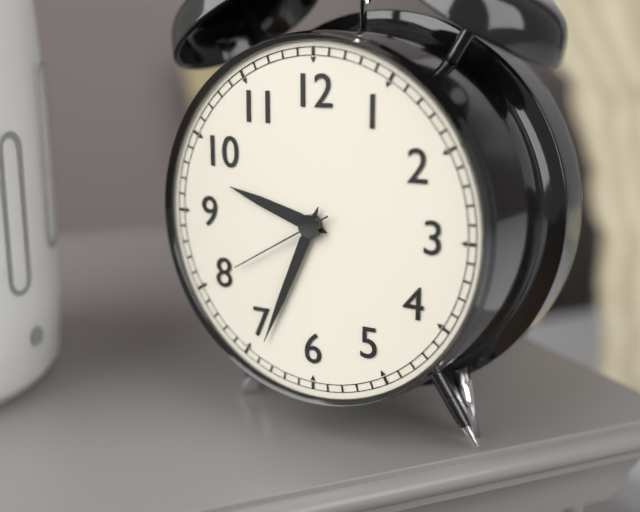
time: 9:34:40
